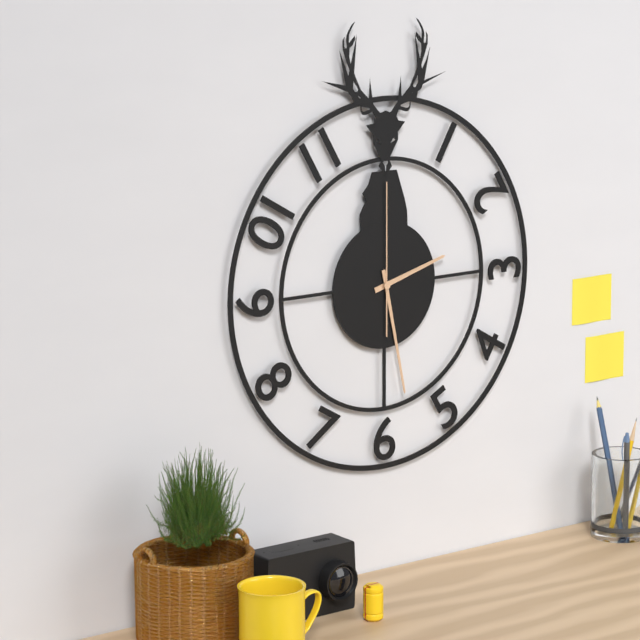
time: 2:28:00
